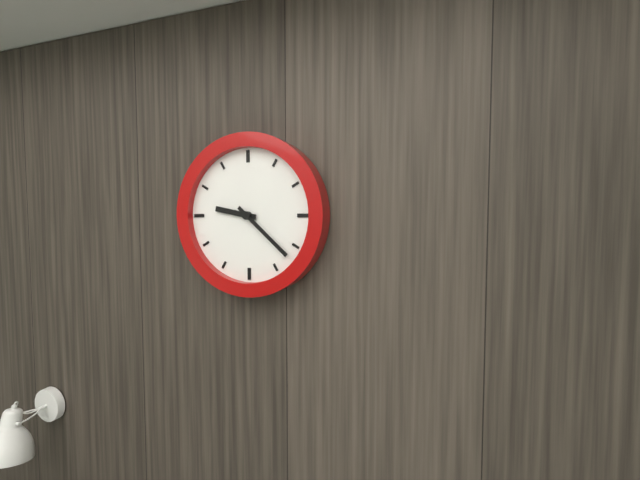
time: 9:22
